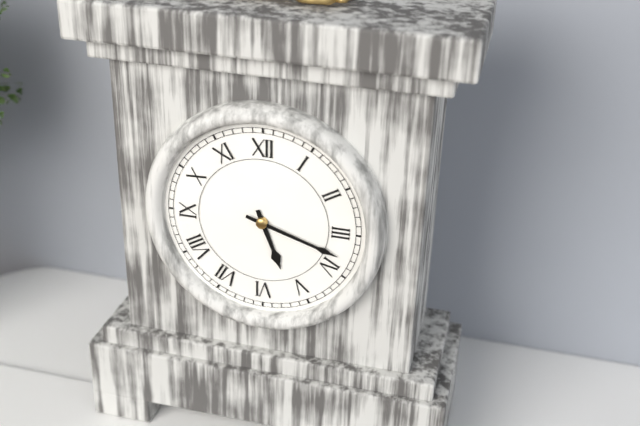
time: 5:18
